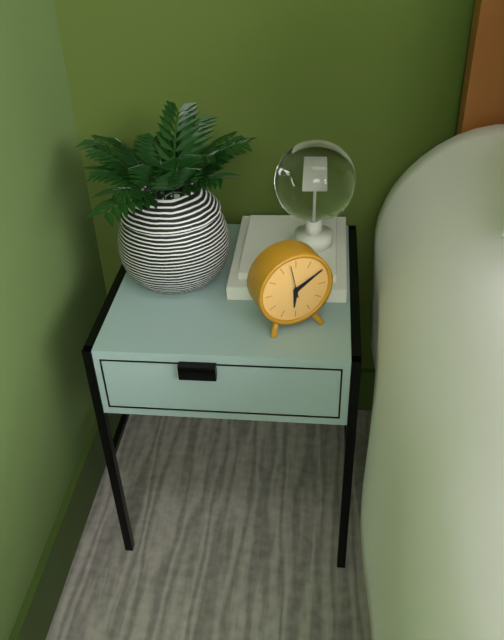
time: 6:10
